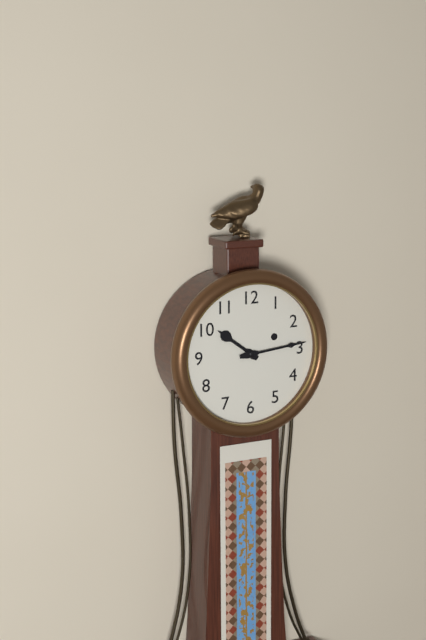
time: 10:14
